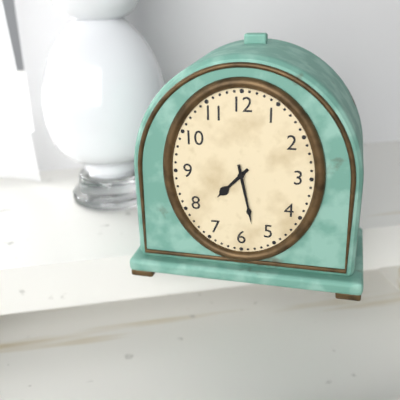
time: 7:28
